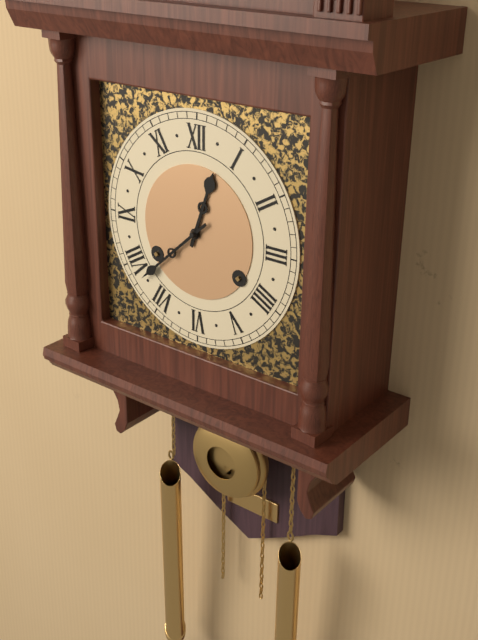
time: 12:38
